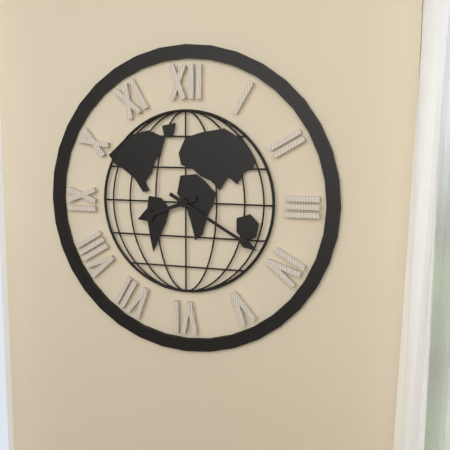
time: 8:20
